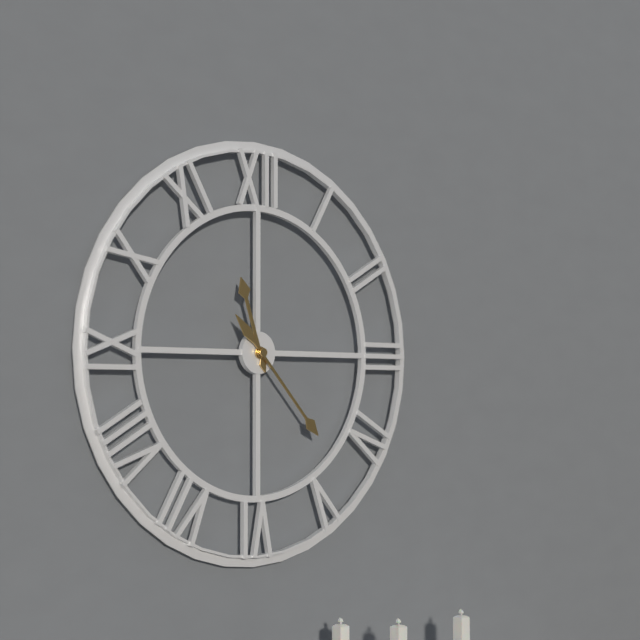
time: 11:23
